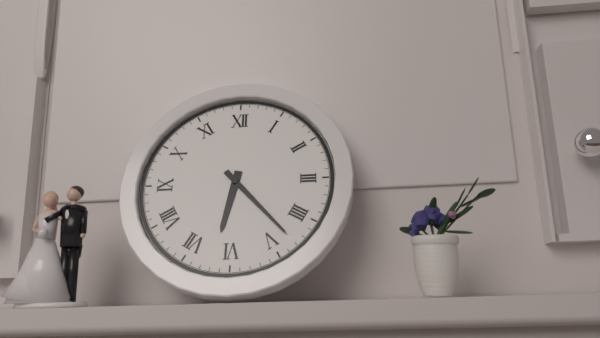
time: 6:23
